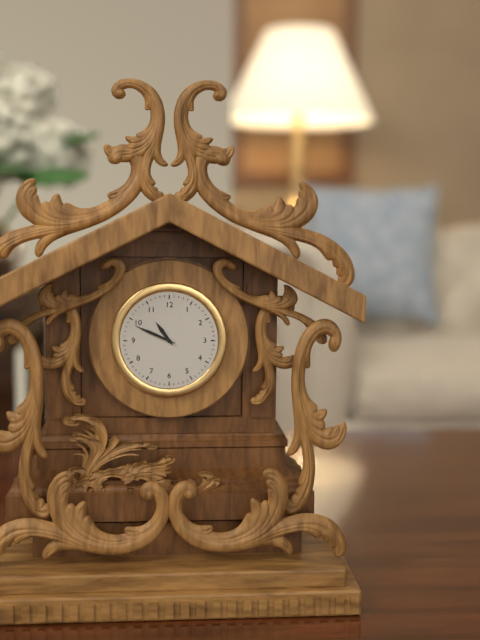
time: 10:49
